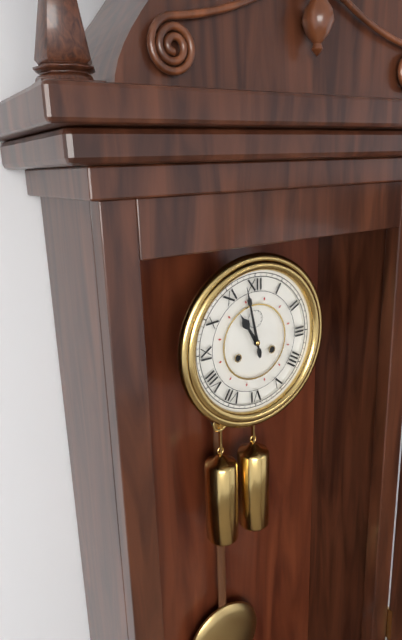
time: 10:58
